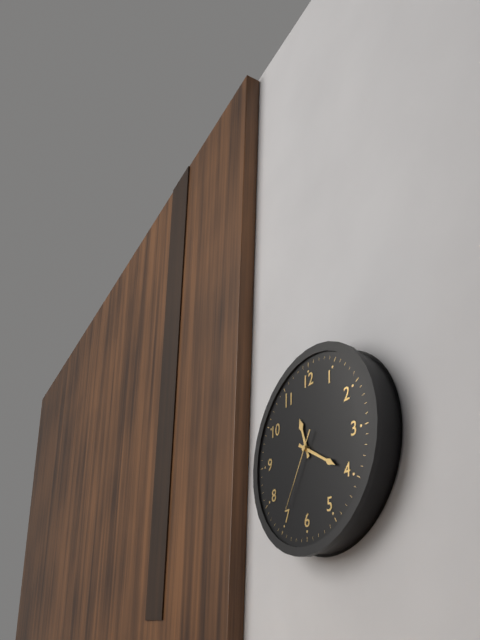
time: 11:20:35
